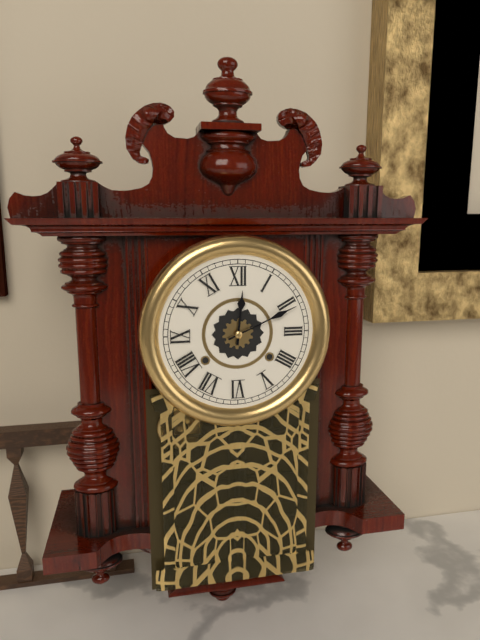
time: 12:11
